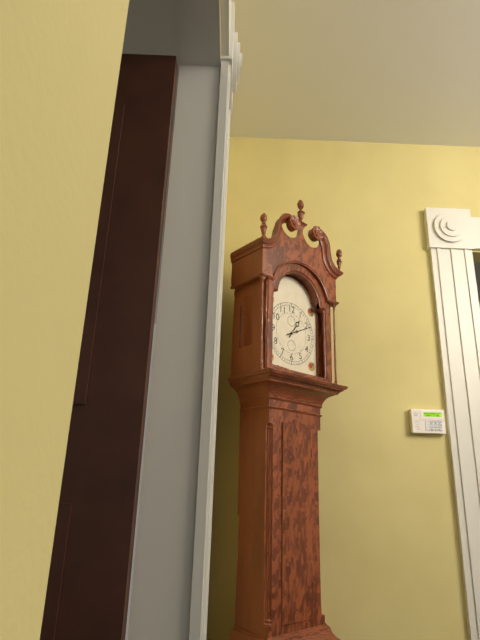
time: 1:11
